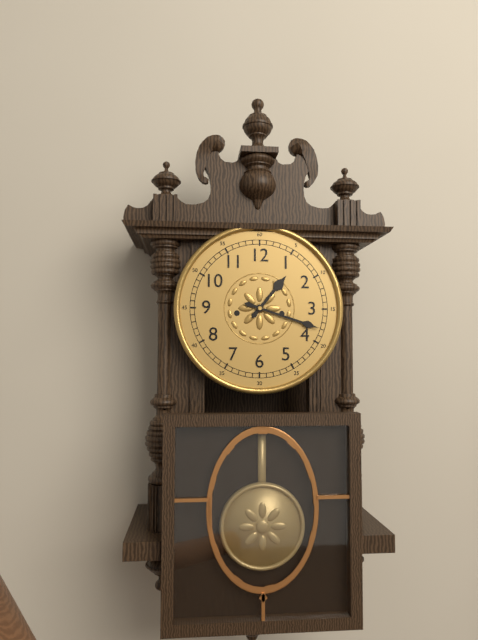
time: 1:18
